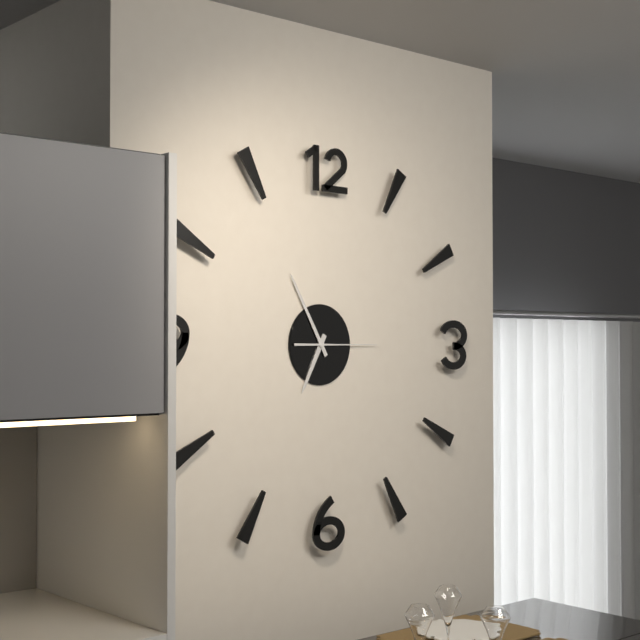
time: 6:55:15
